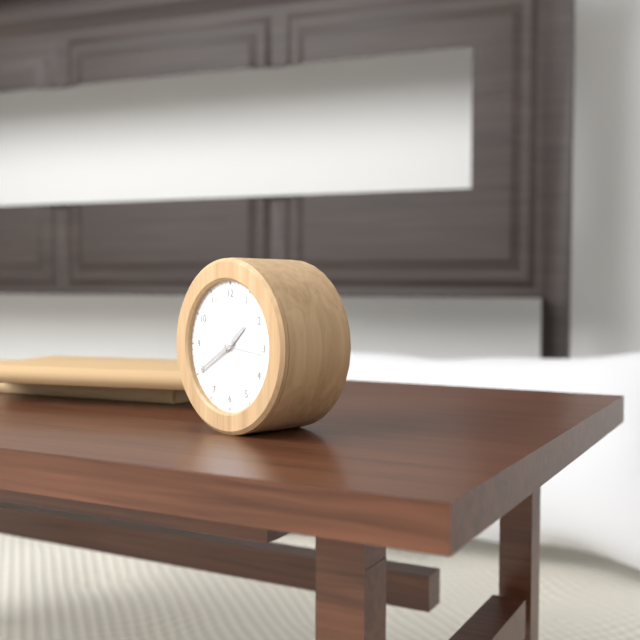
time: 1:40
